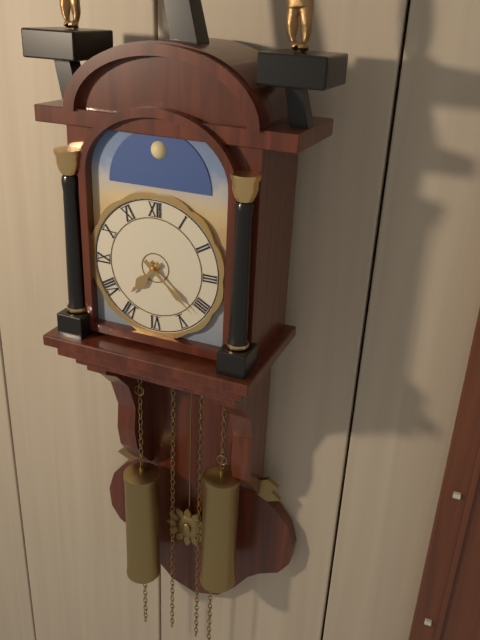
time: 7:22
